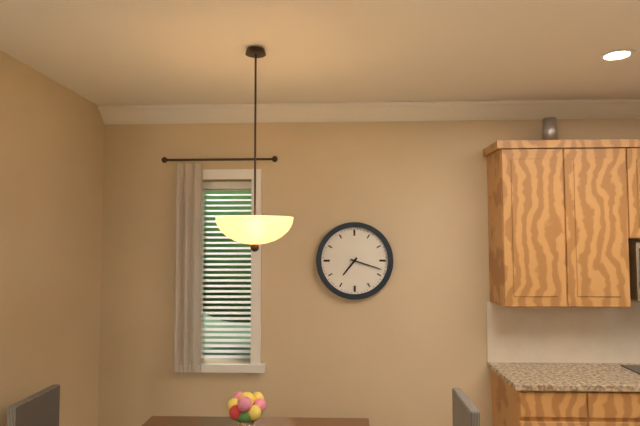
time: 7:18
